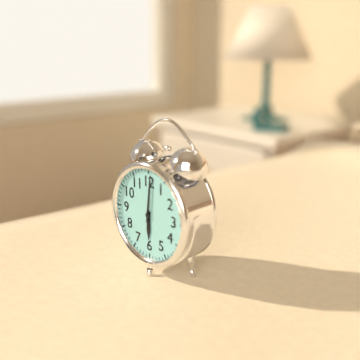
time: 6:01
